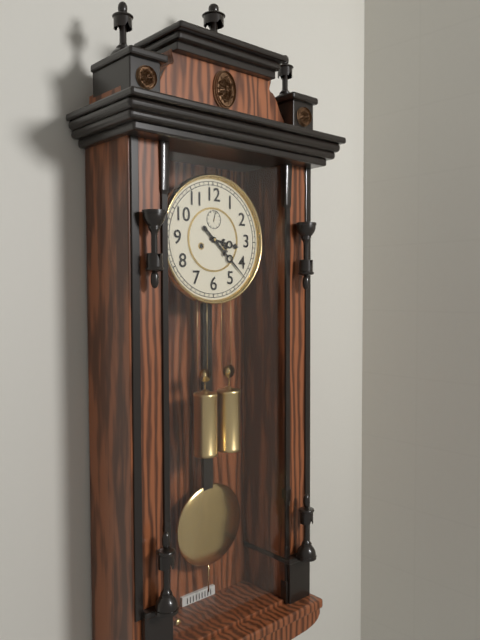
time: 3:22
